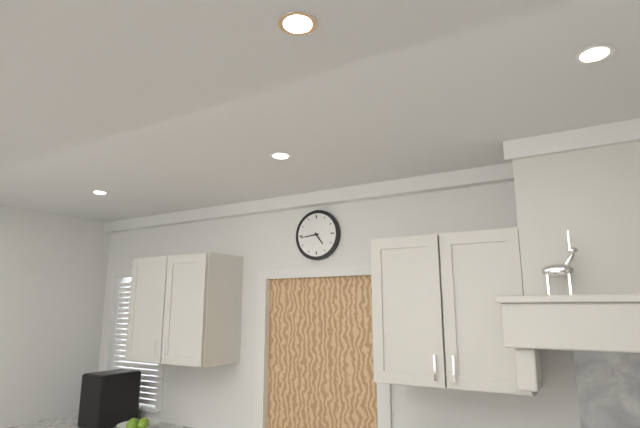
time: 4:44
